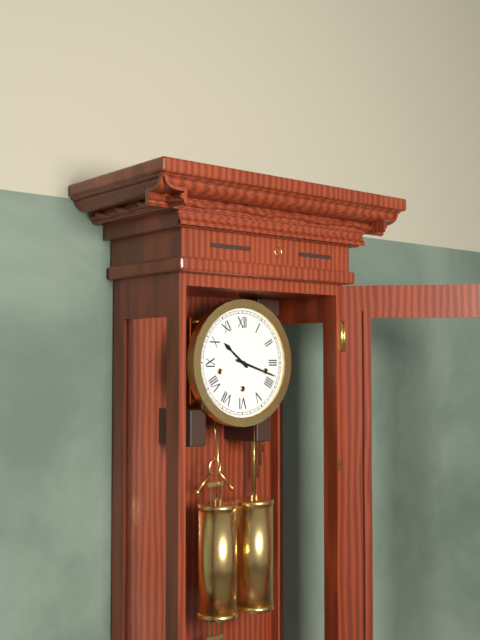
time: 10:18
